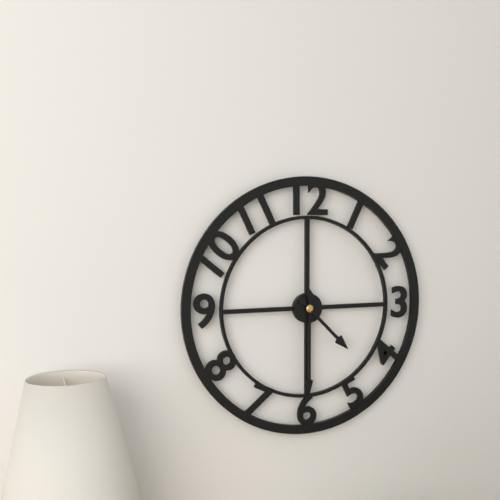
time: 4:30
